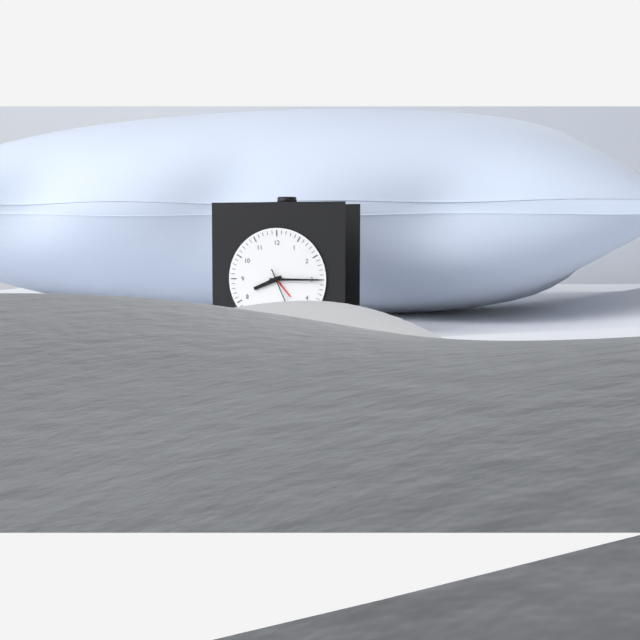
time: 8:15
